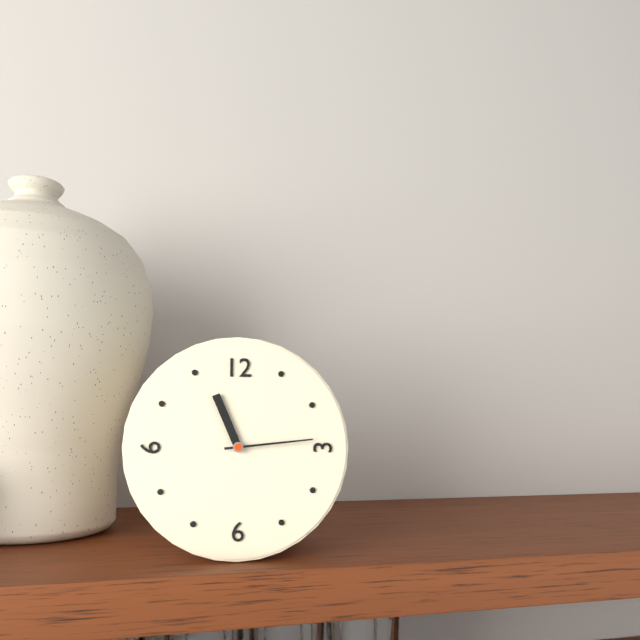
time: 11:14
